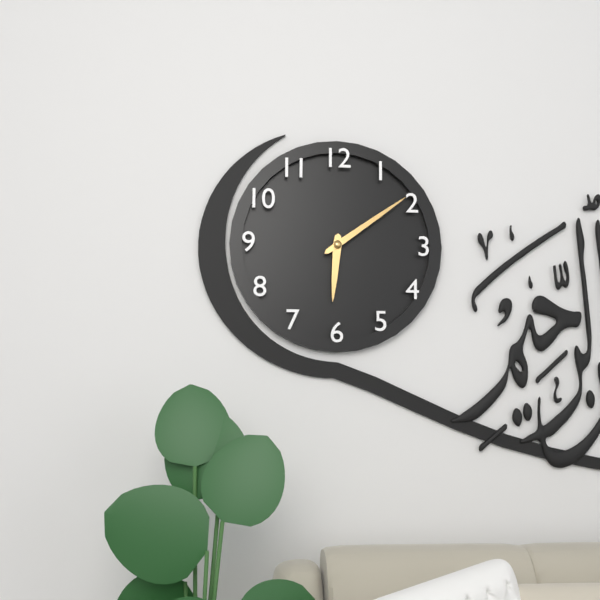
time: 6:09
